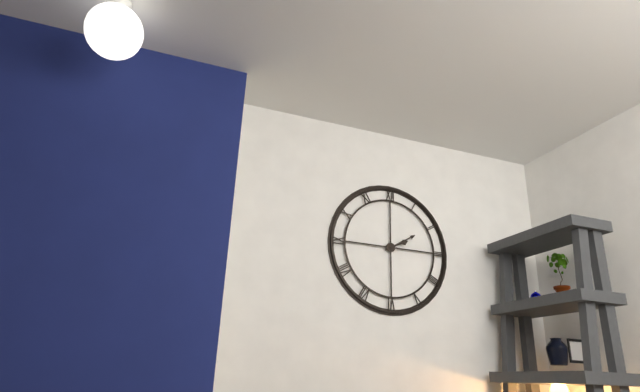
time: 2:10
